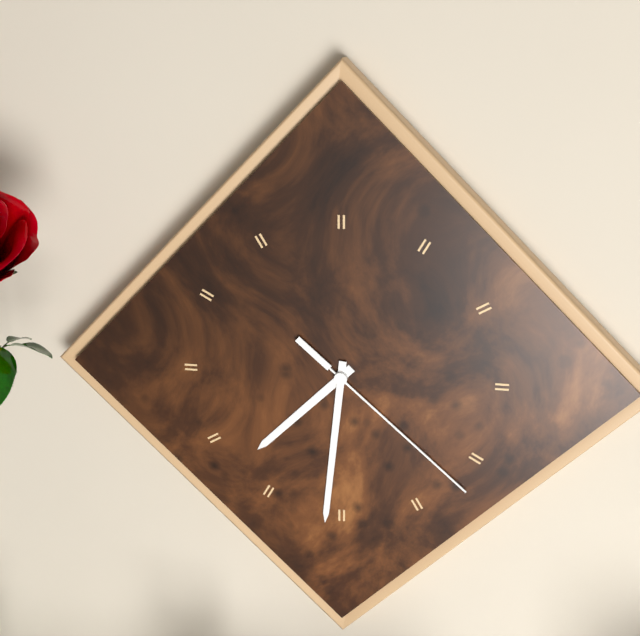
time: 7:31:22
